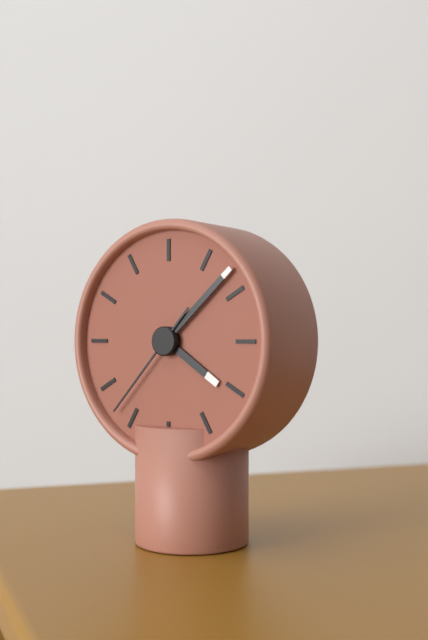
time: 4:08:37
